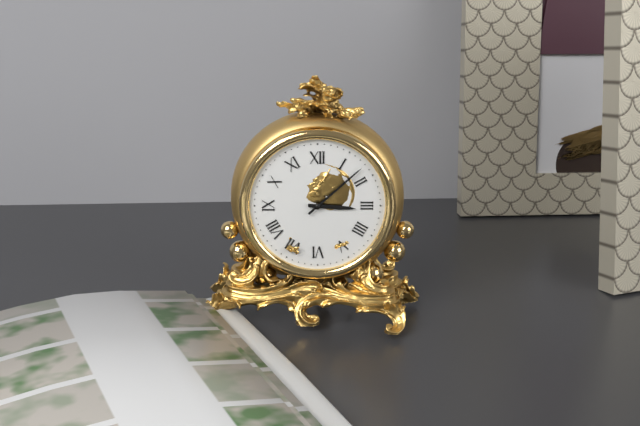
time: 3:08
